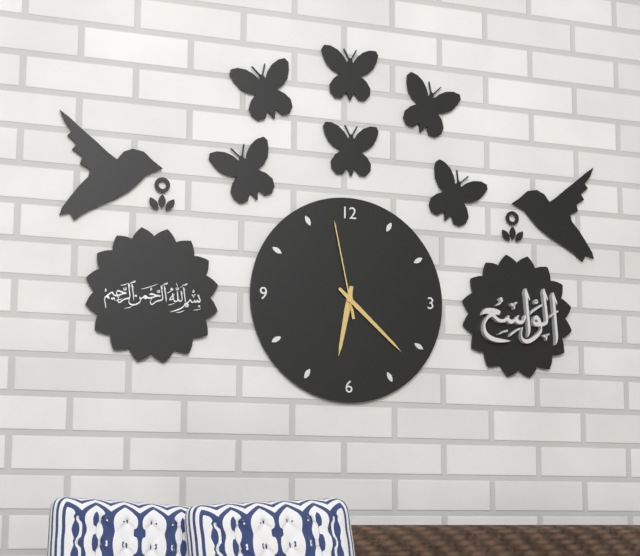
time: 6:22:58
